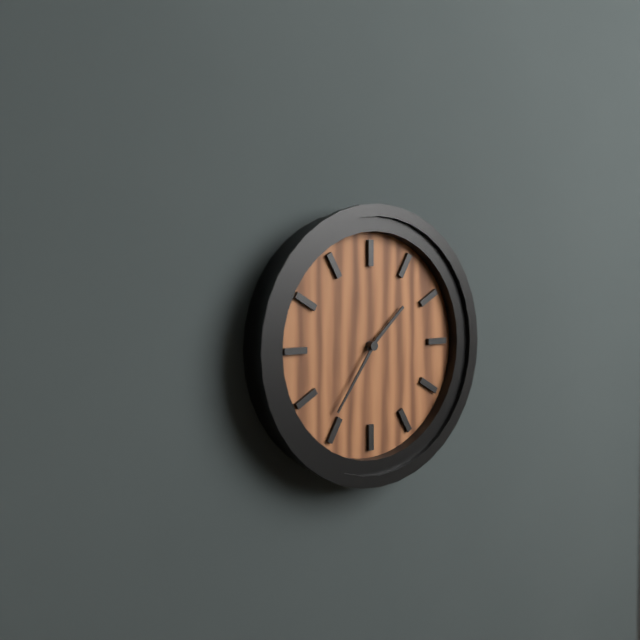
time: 1:36
